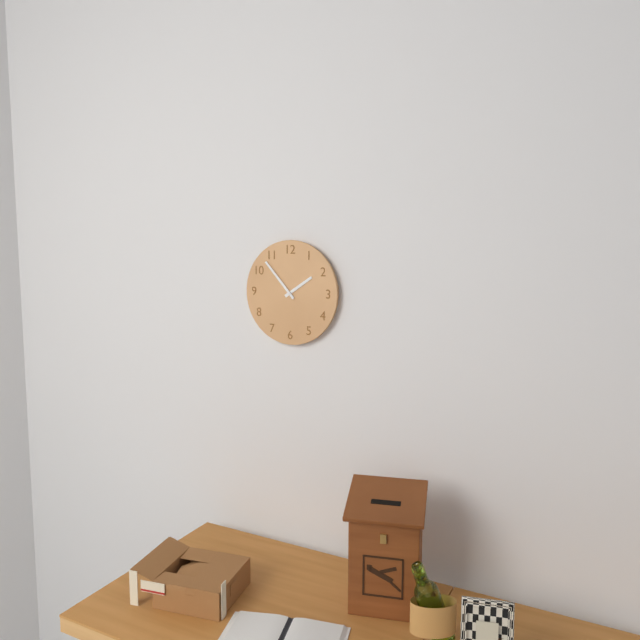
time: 1:53
